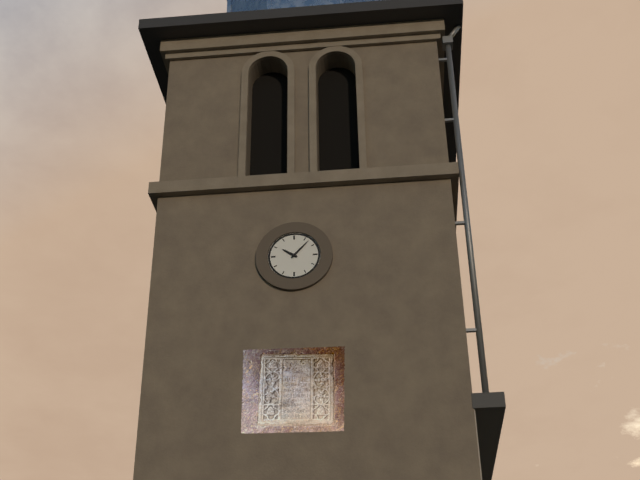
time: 10:07
